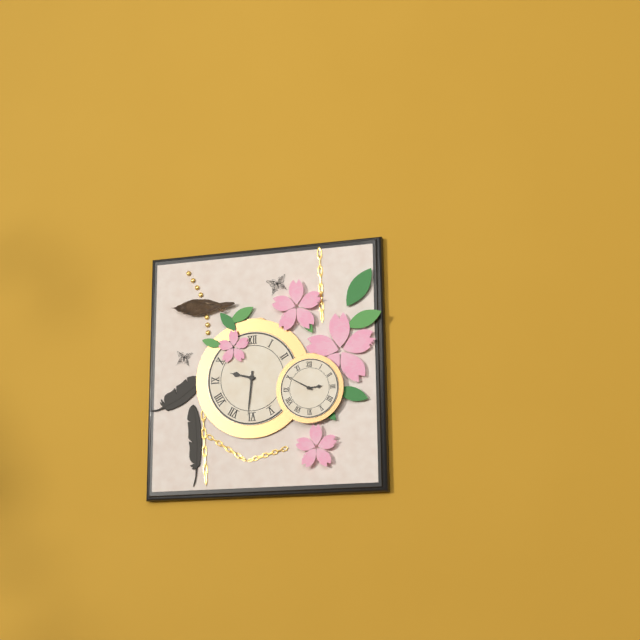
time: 9:31
